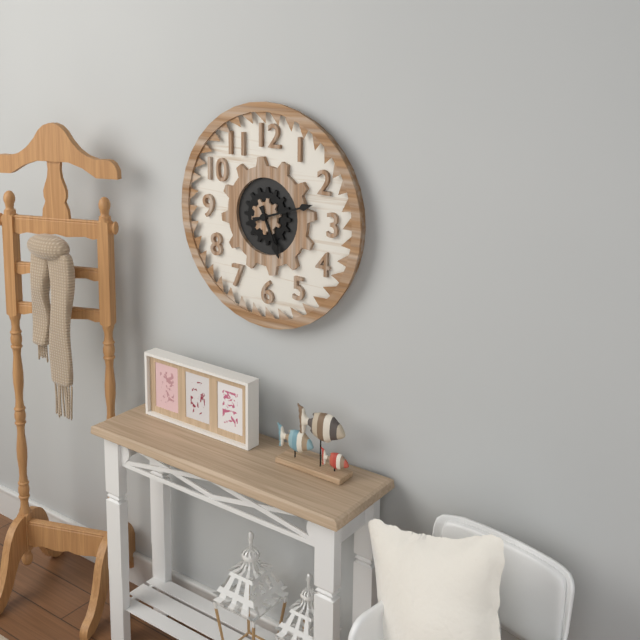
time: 5:12
